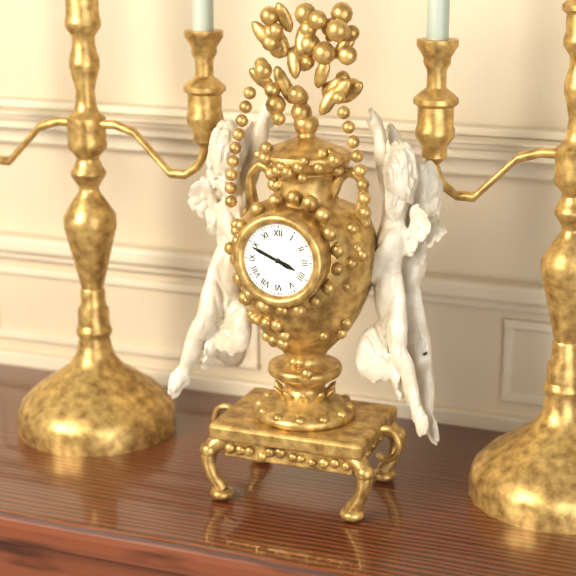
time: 3:49
